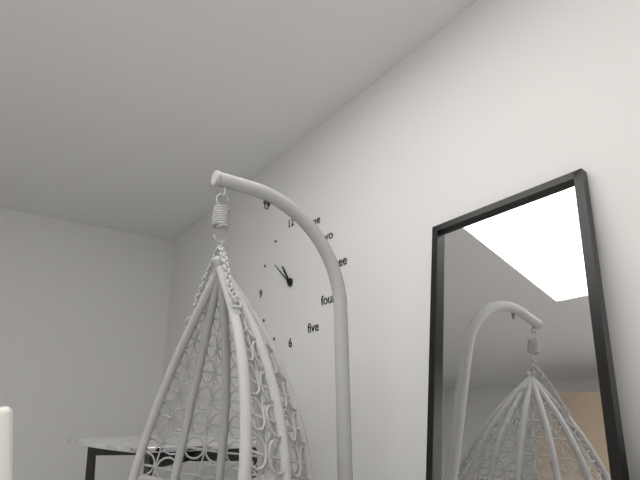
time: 10:52
